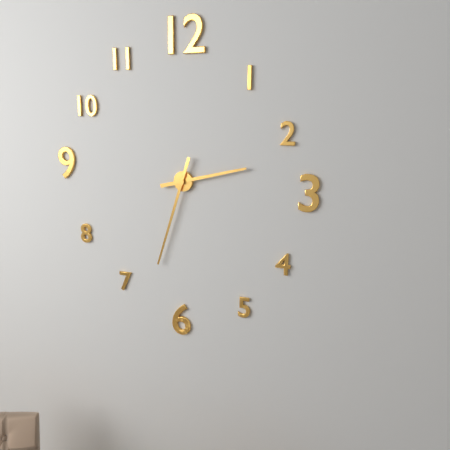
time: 2:33
